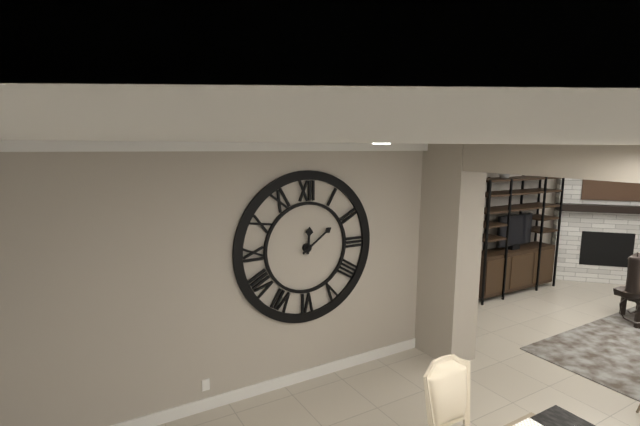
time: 12:09
